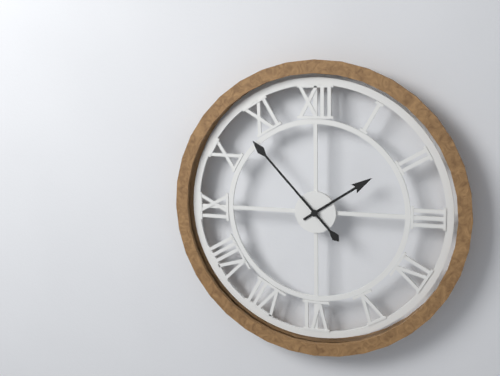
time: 1:53
